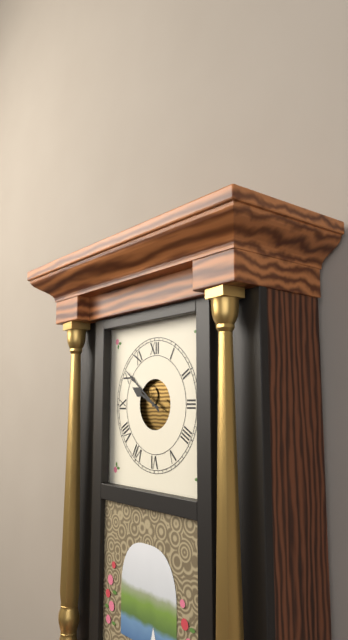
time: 9:51
